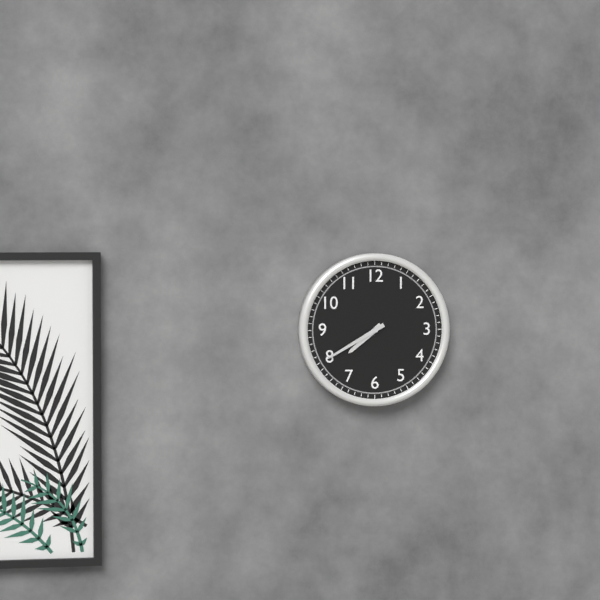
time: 7:40
